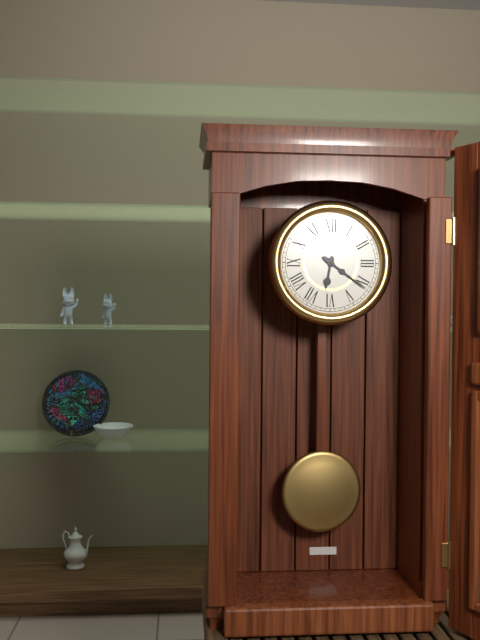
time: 6:21
